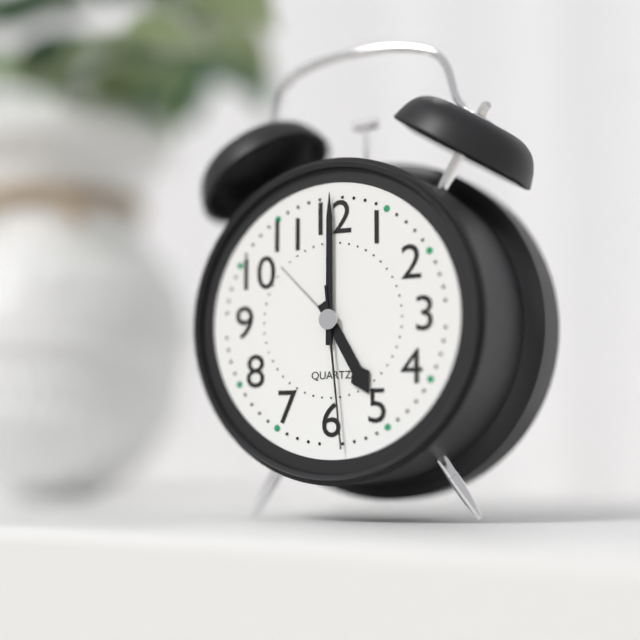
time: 5:00:29
